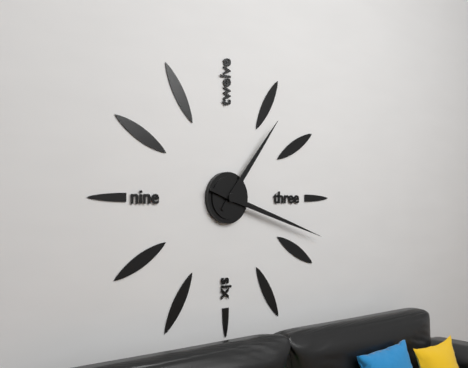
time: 1:18
